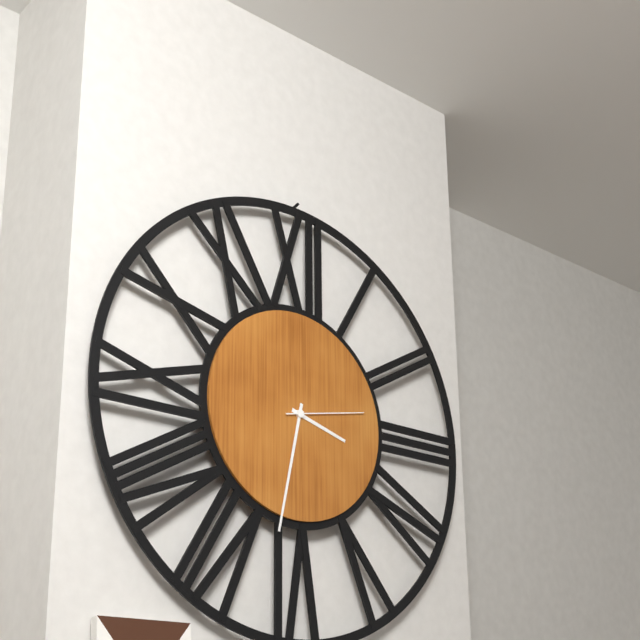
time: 3:32:13
